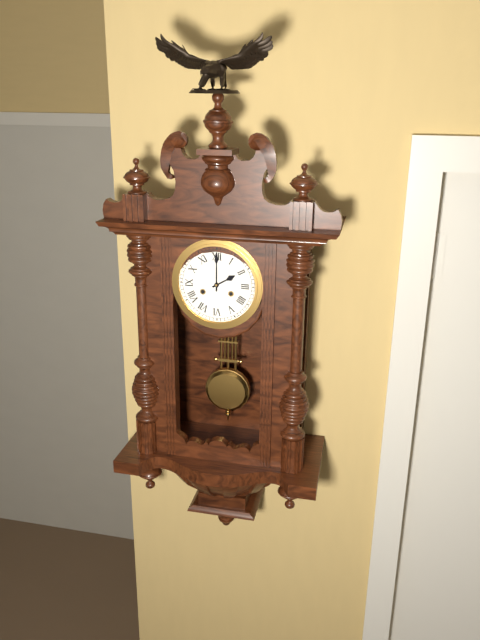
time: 2:00
